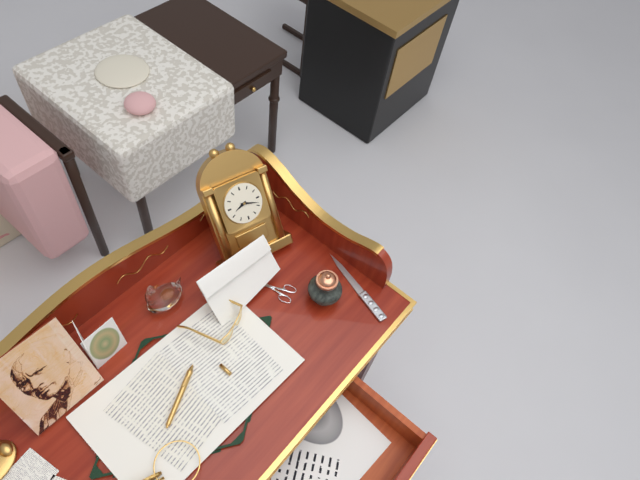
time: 8:18
